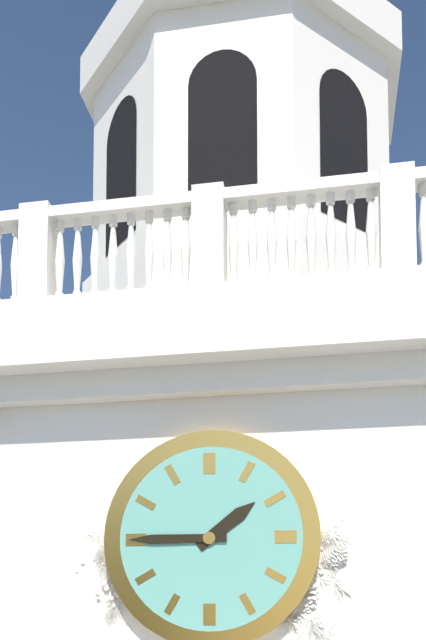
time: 1:45
